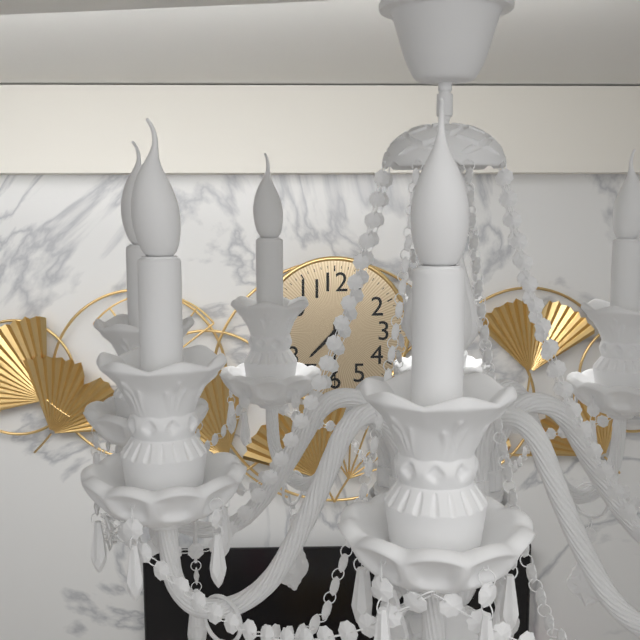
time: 7:30
